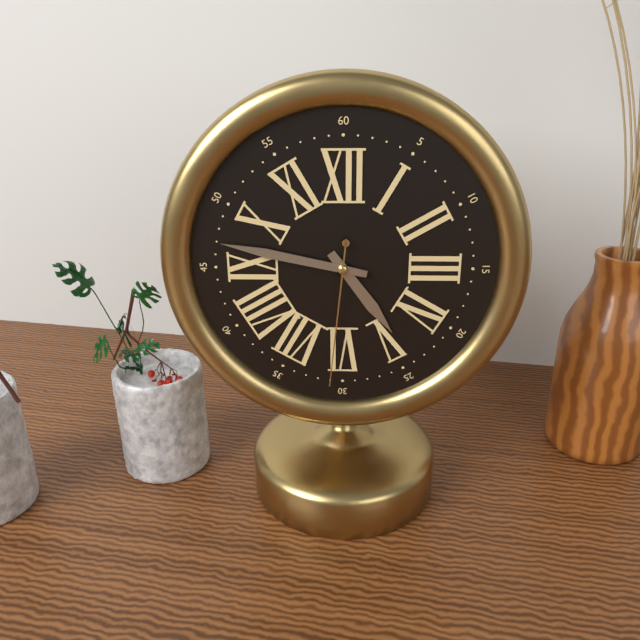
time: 4:47:31
